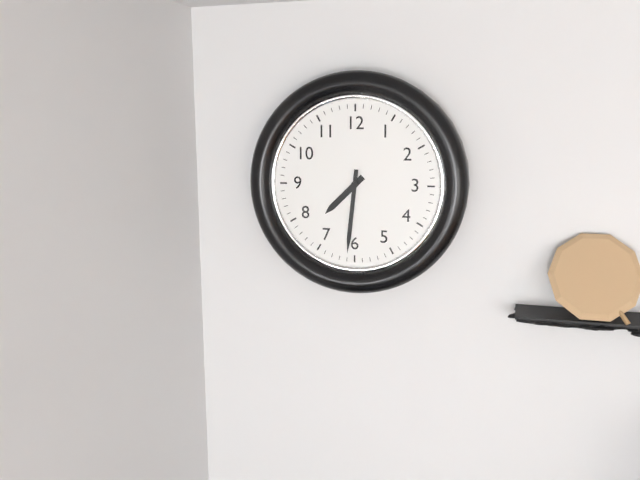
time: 7:31
